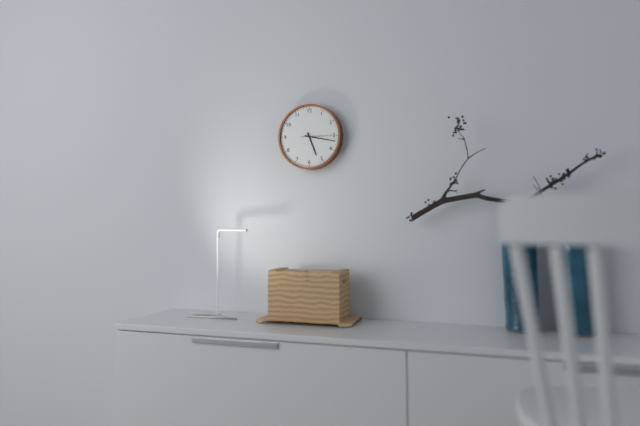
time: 5:17
